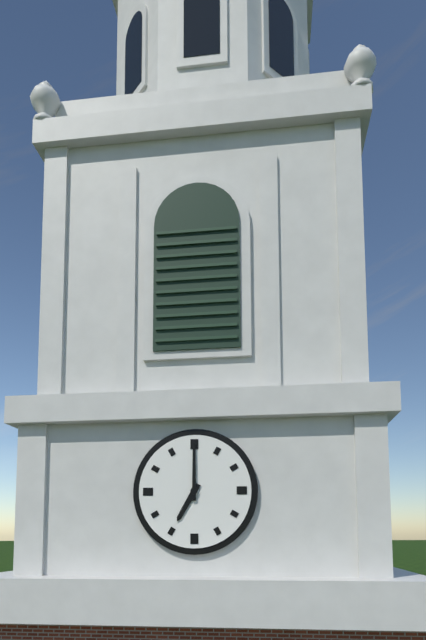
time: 7:00
